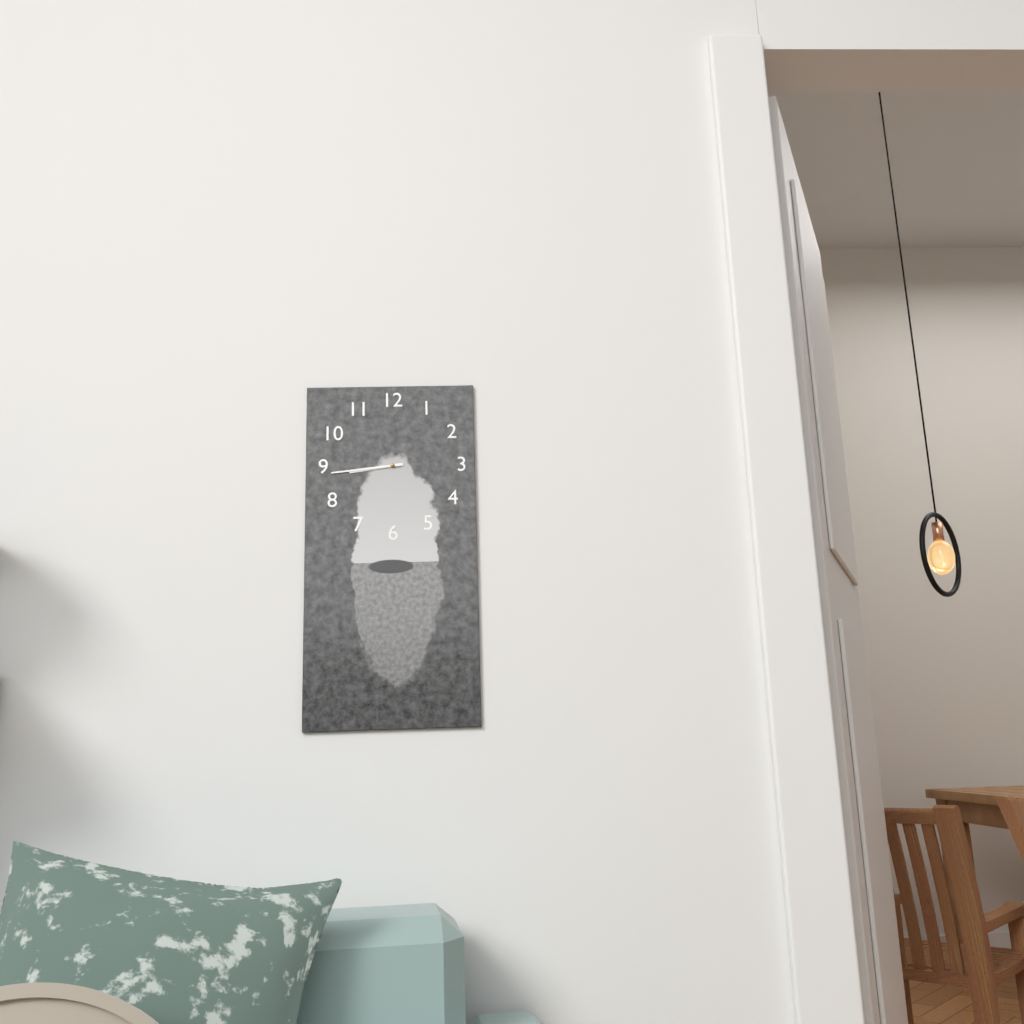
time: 8:44
